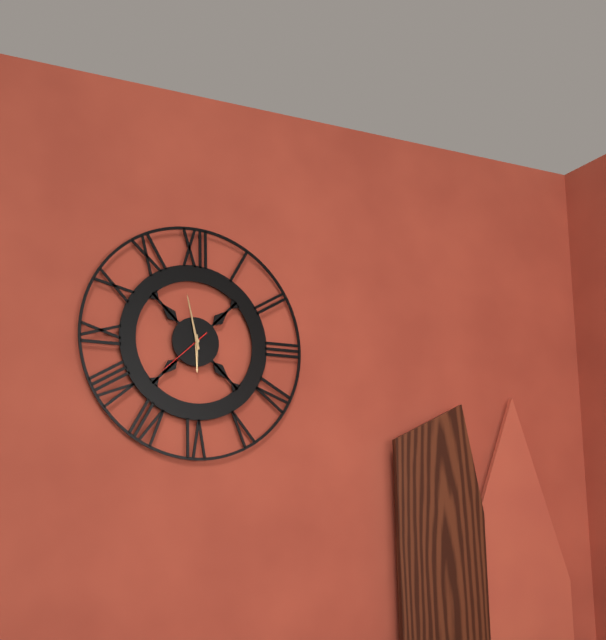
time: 5:58:38
